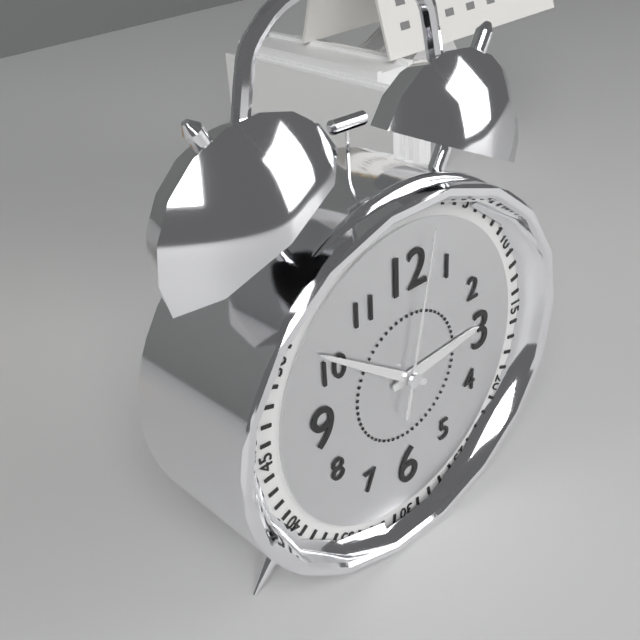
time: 2:51:02
